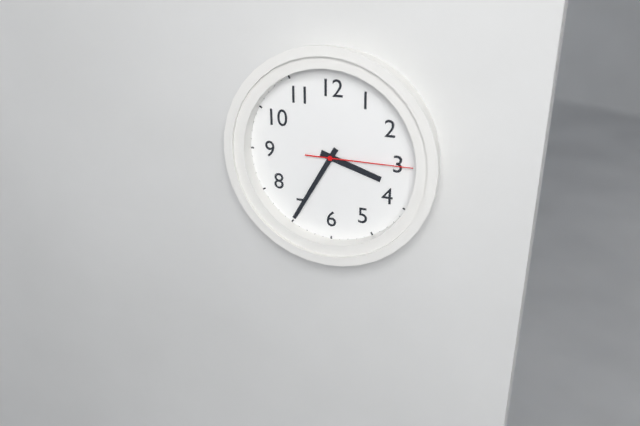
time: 3:35:15
